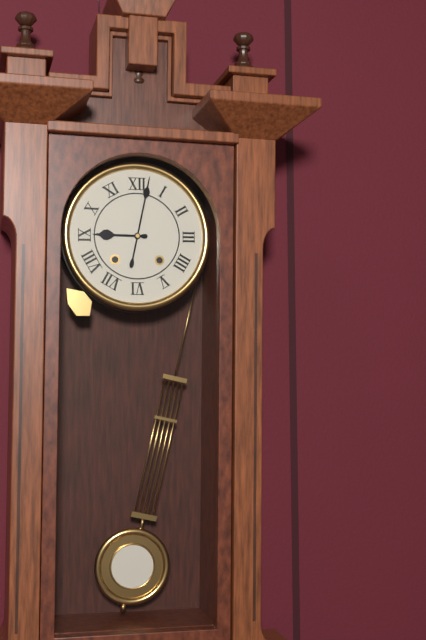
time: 9:02
